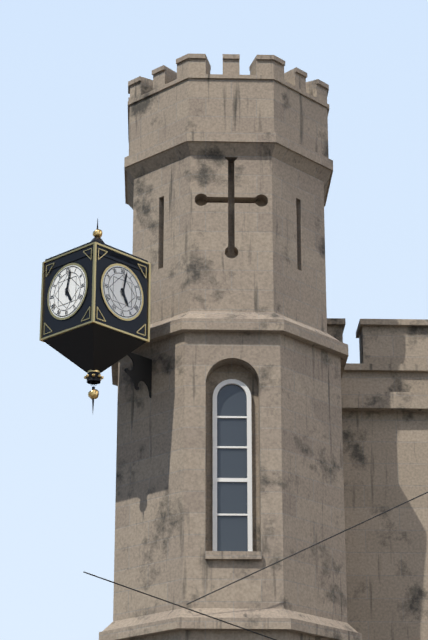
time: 5:02
